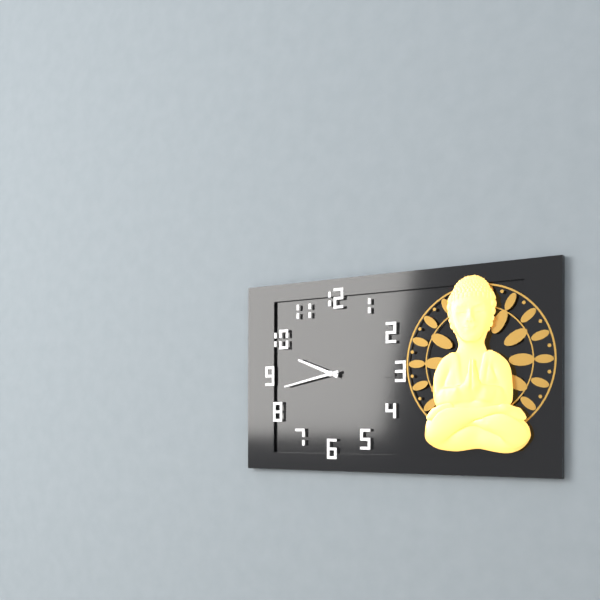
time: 9:43
